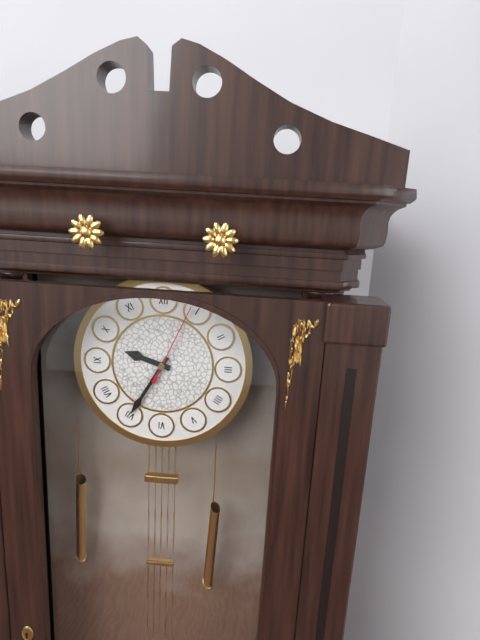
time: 9:35:04
